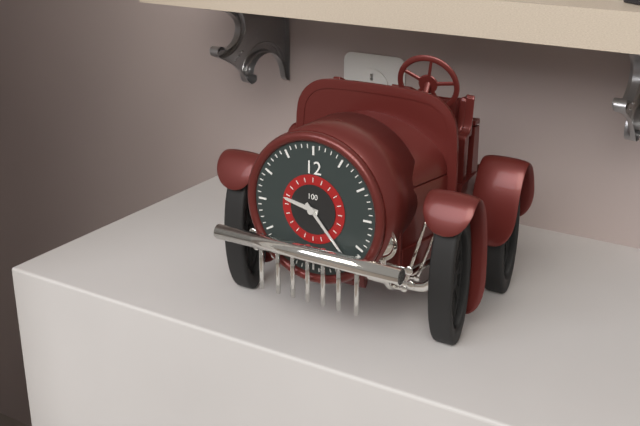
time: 9:23
